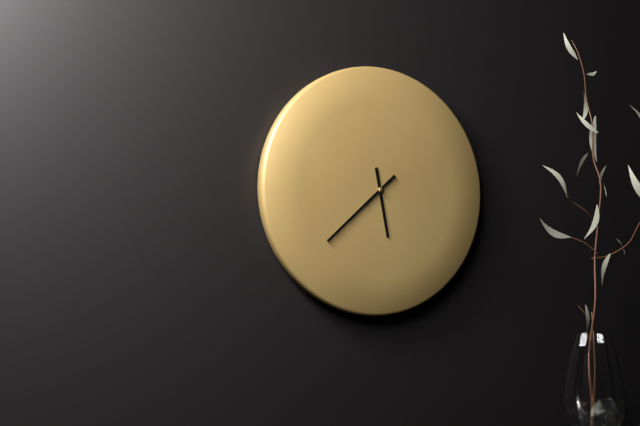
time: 5:38
